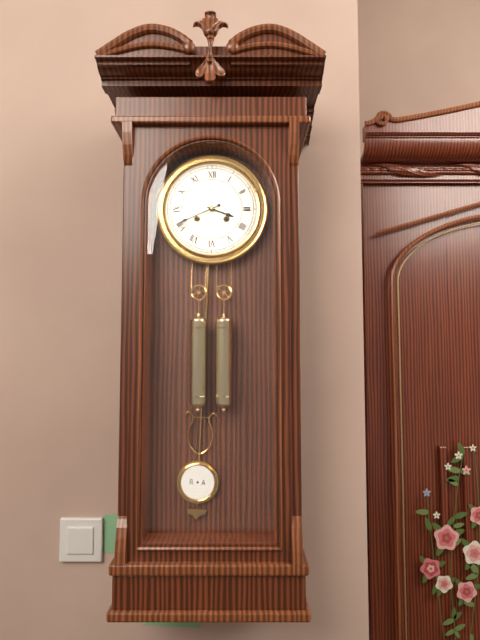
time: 3:41
